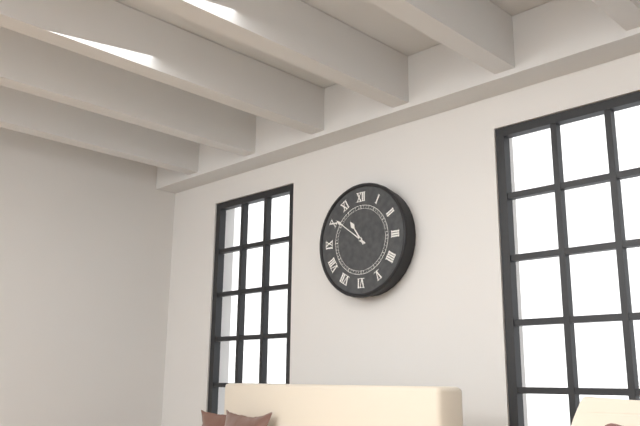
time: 10:51
